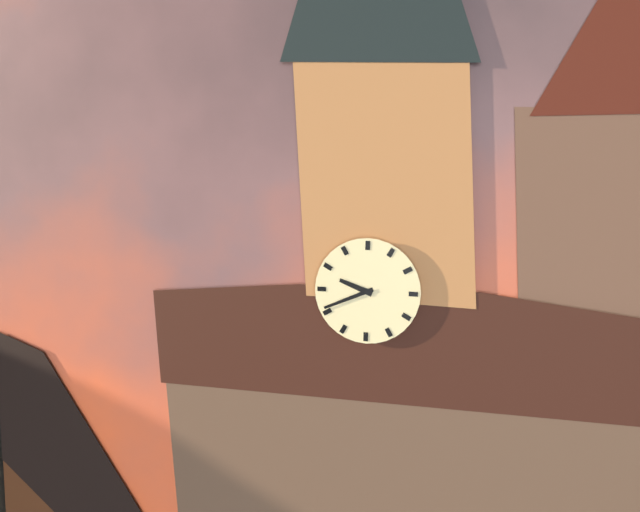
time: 9:41
